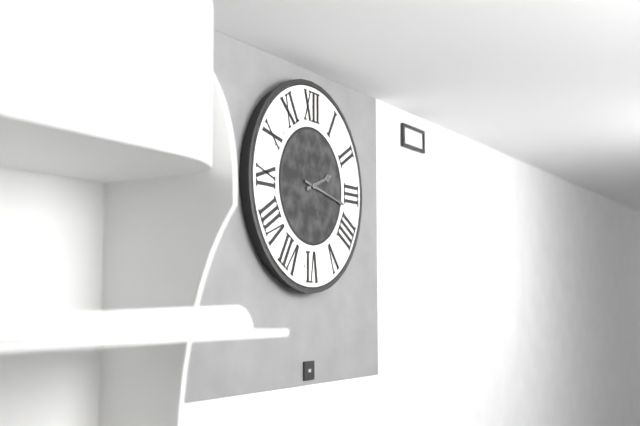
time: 2:17
